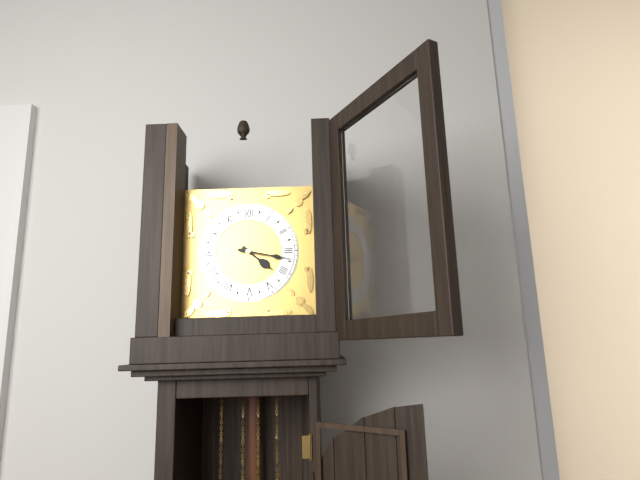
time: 4:17
